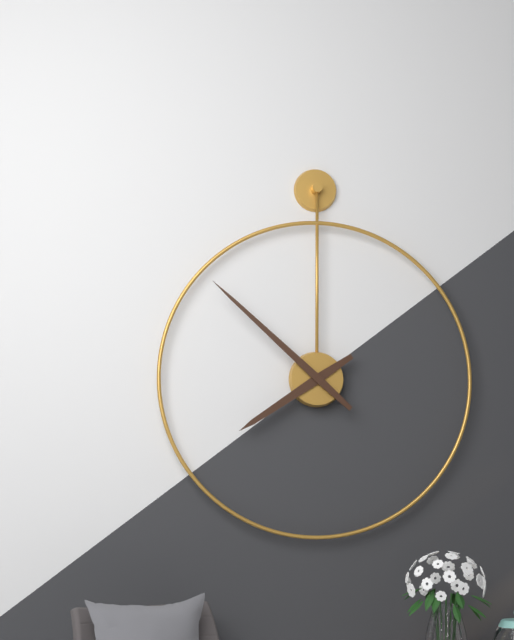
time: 7:52
